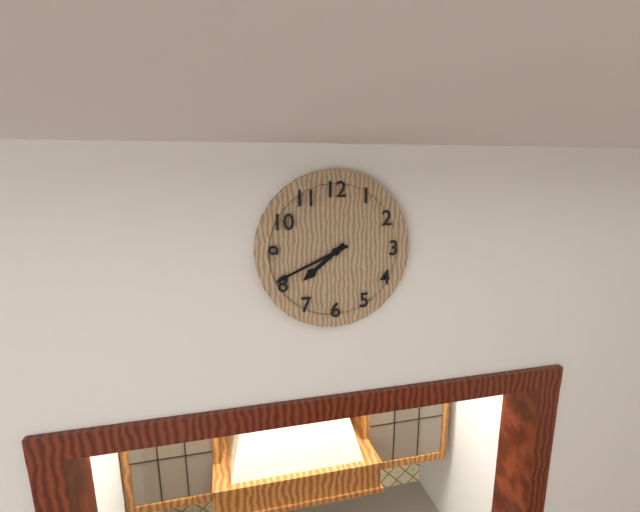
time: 7:41
